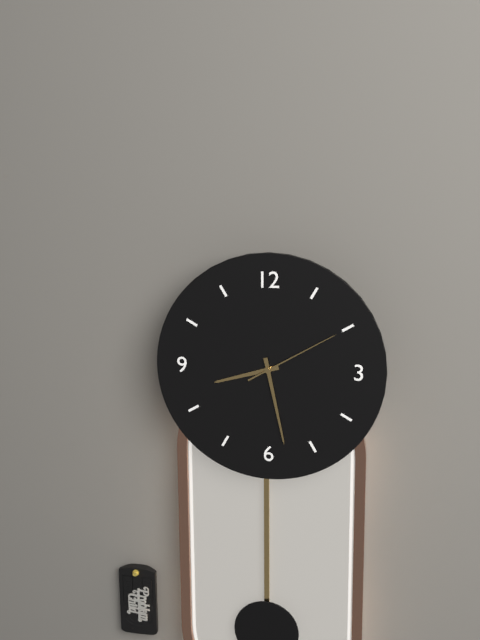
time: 8:28:10
